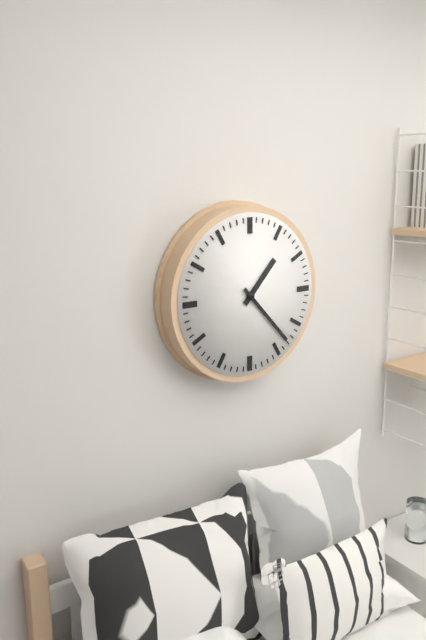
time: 1:23
